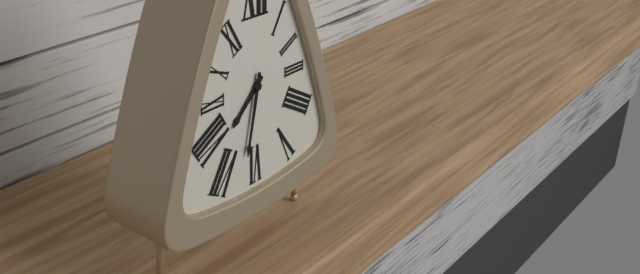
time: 7:32
